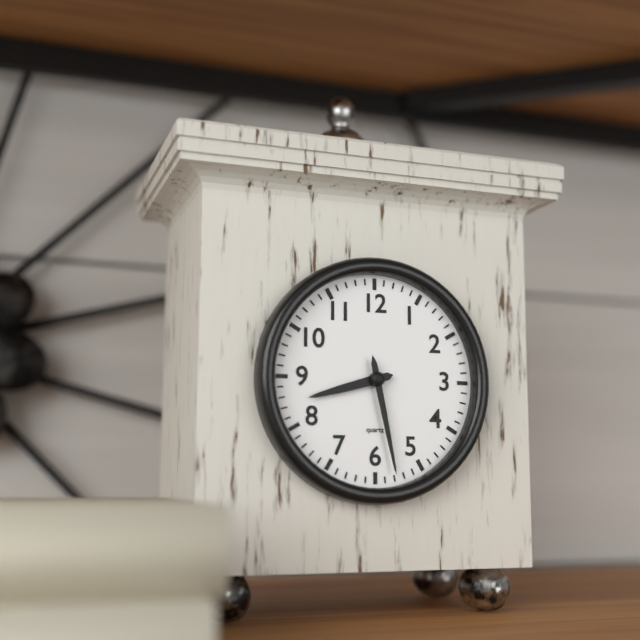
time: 8:28
